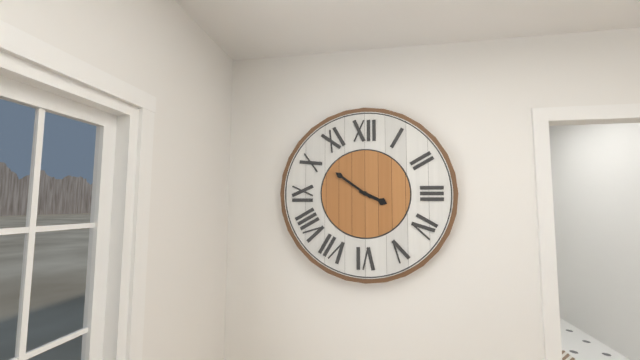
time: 3:51
